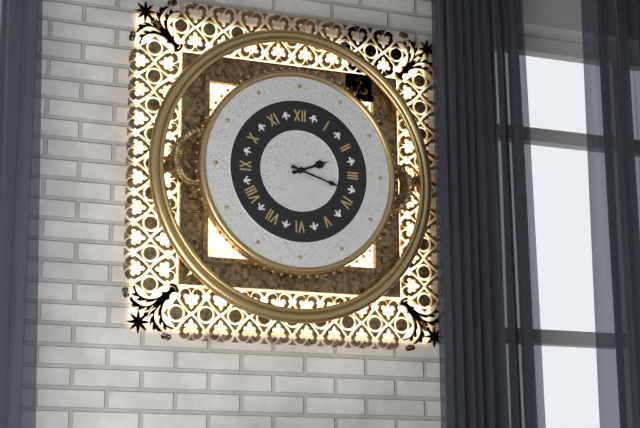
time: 2:18
